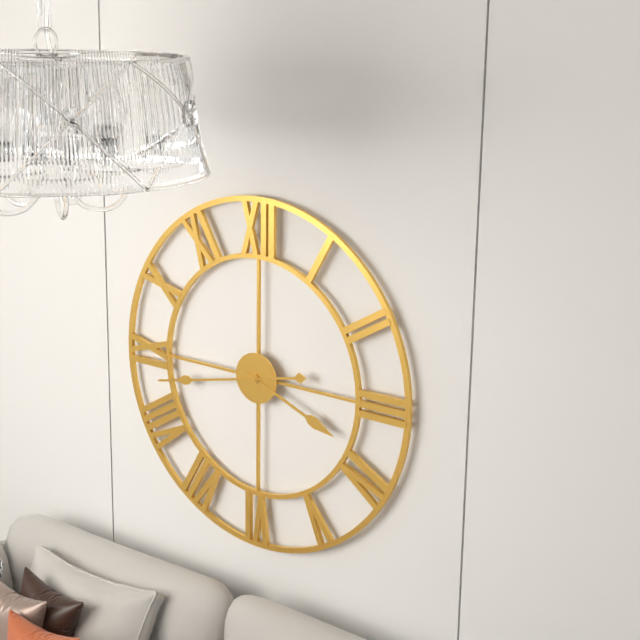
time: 3:43
